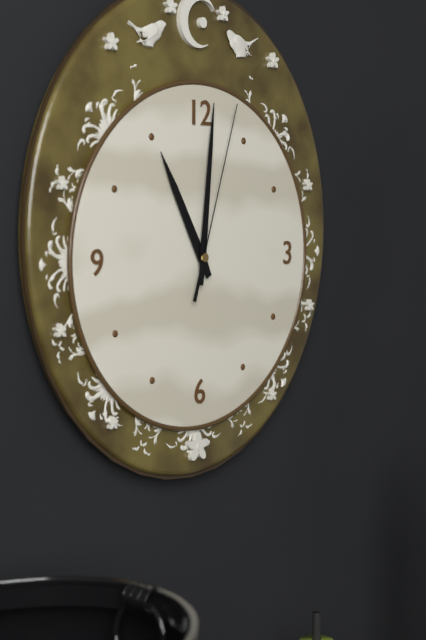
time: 11:01:03
